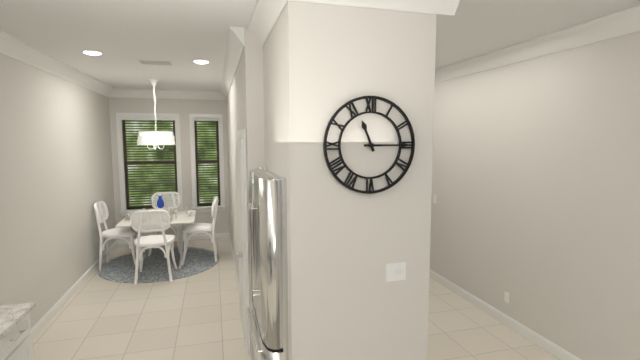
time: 11:15
